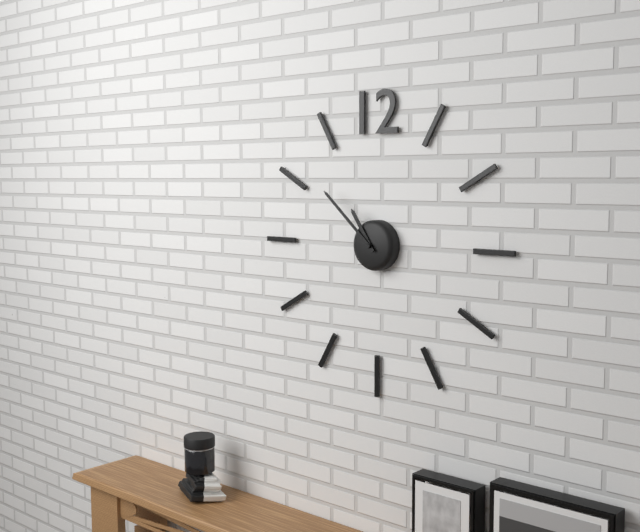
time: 10:52
